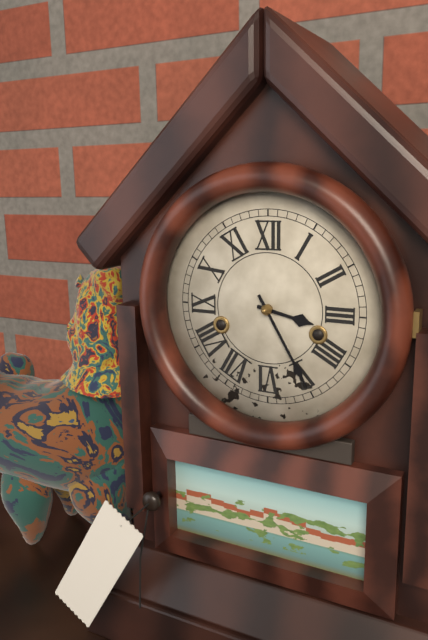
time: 3:25
